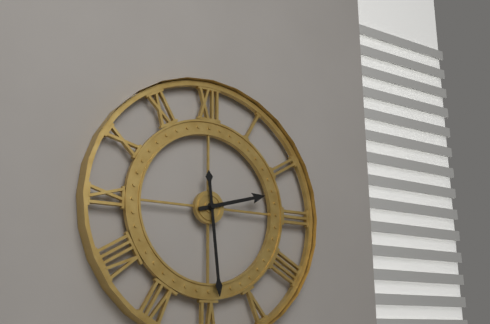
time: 2:29
